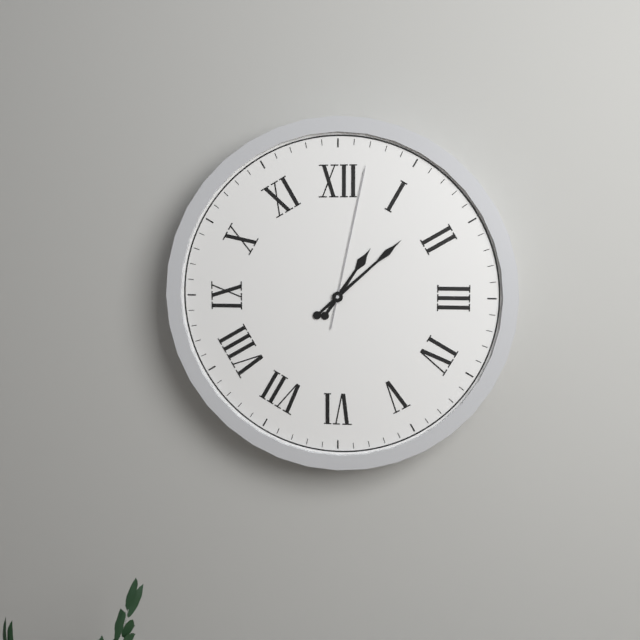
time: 1:08:02
